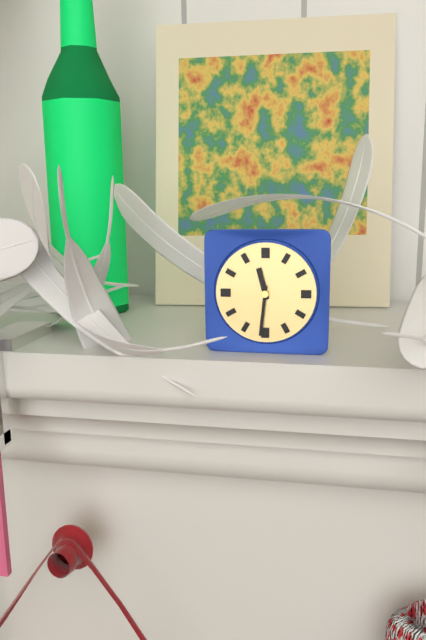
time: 11:31
